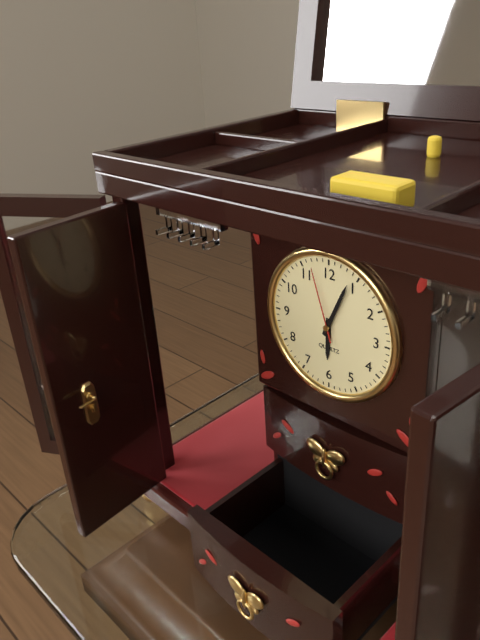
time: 6:04:57
